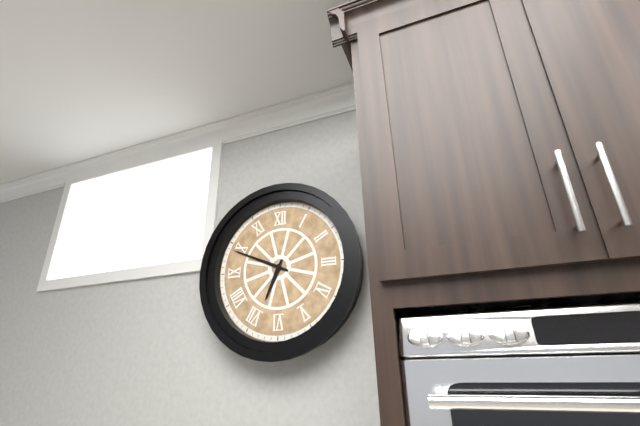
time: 6:49
